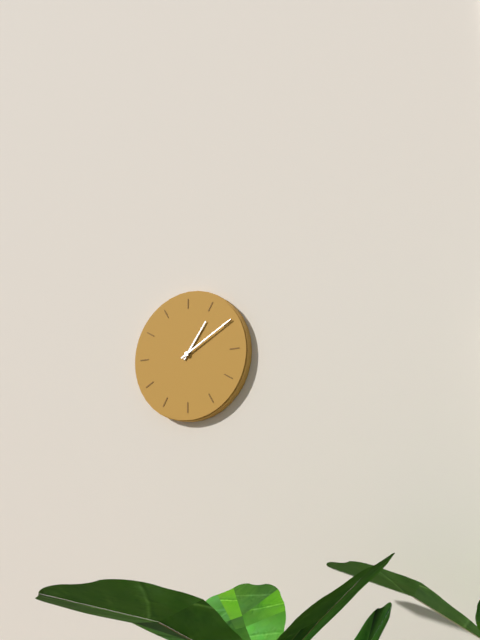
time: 1:10
